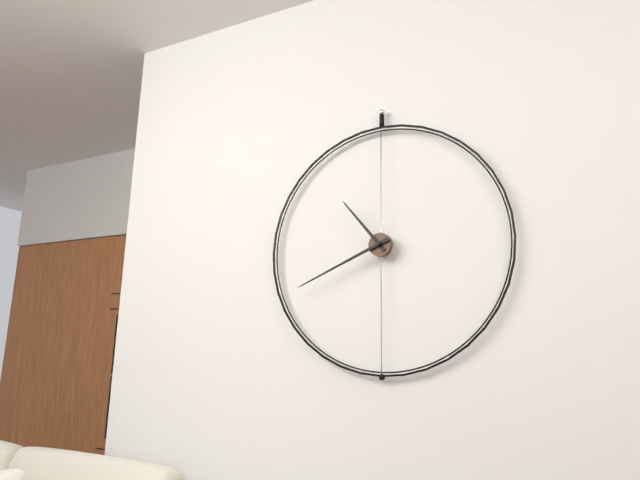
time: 10:41
